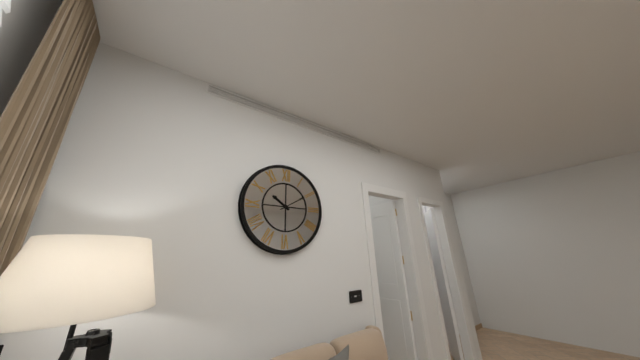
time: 10:10
